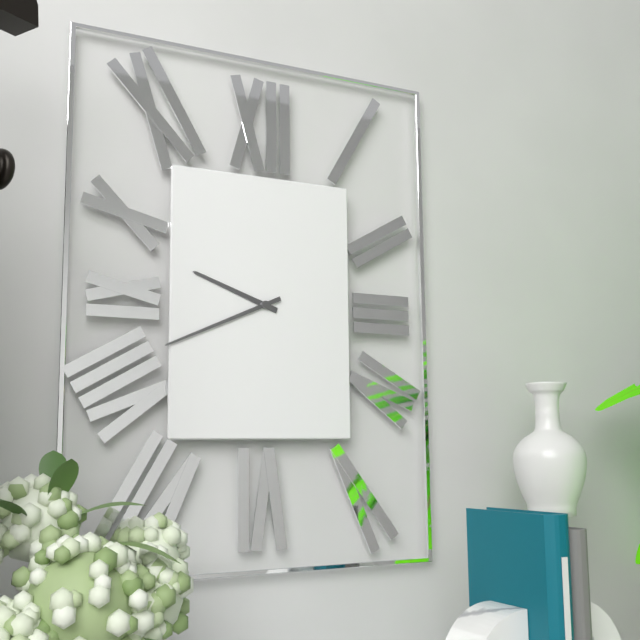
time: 9:41
